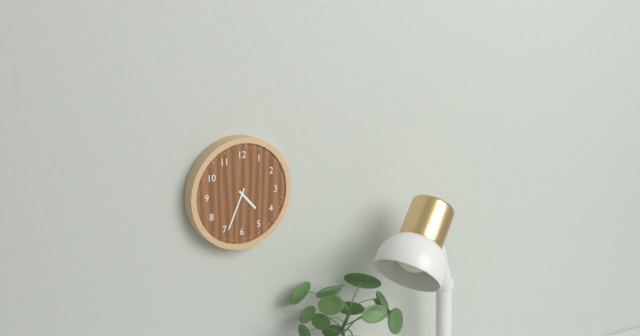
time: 4:34
